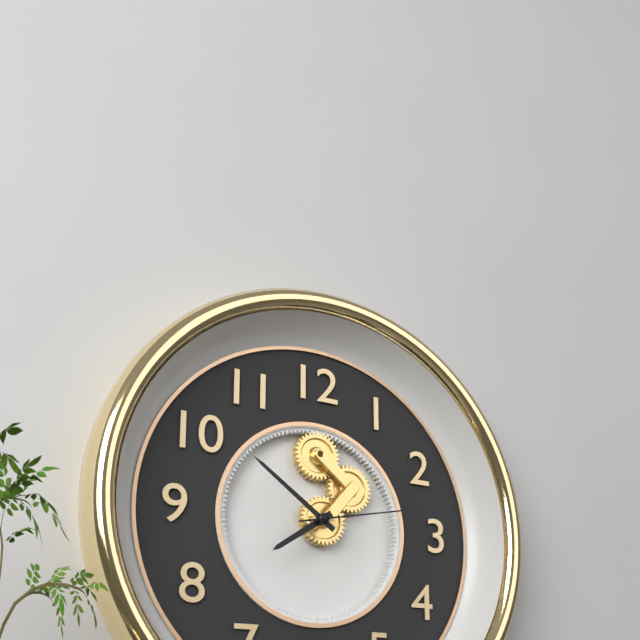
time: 7:51:13
